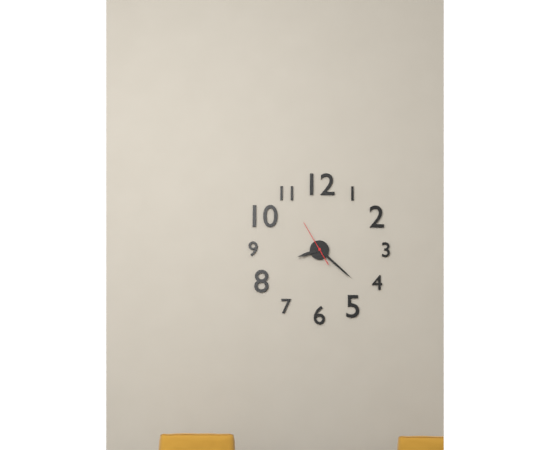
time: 8:22
